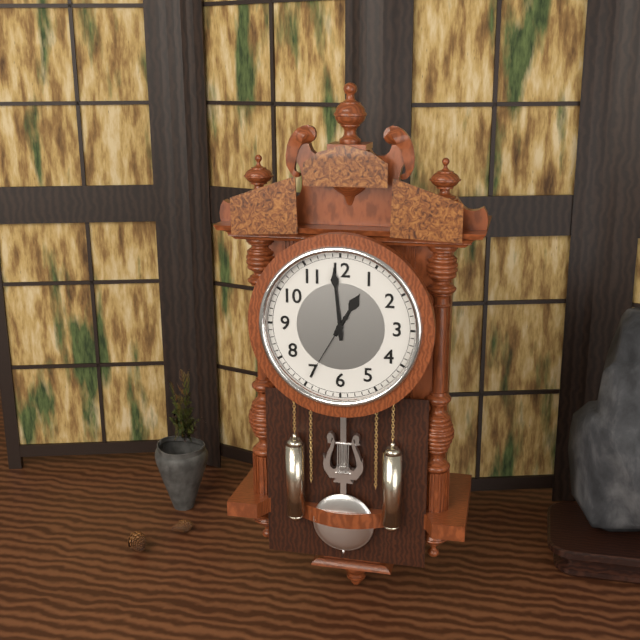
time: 12:59:35
